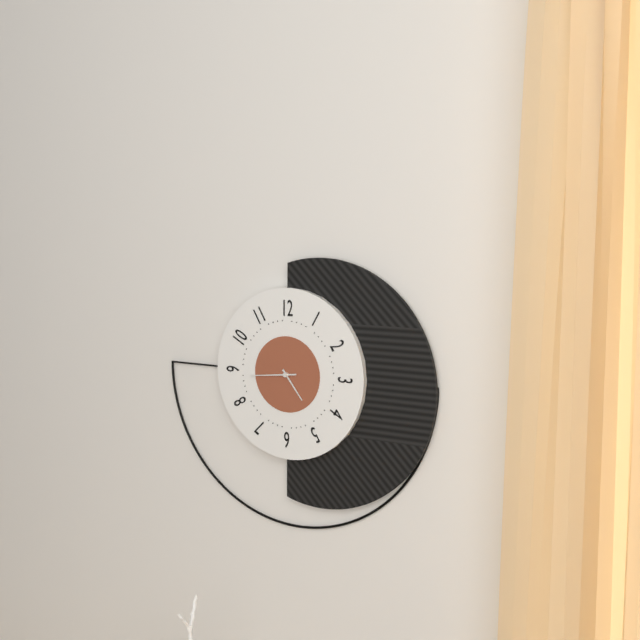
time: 4:44
